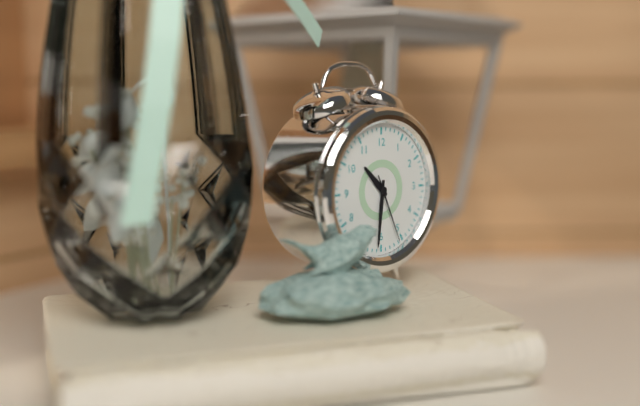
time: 10:31:26
